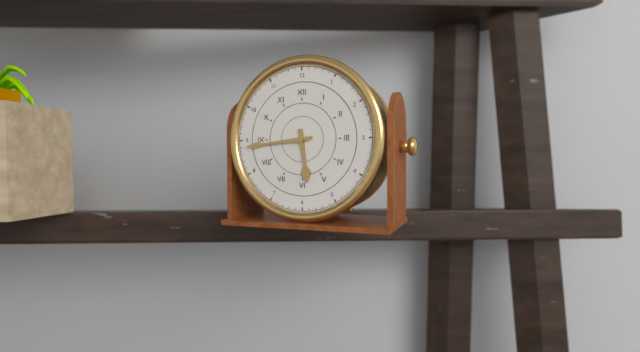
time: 5:44
